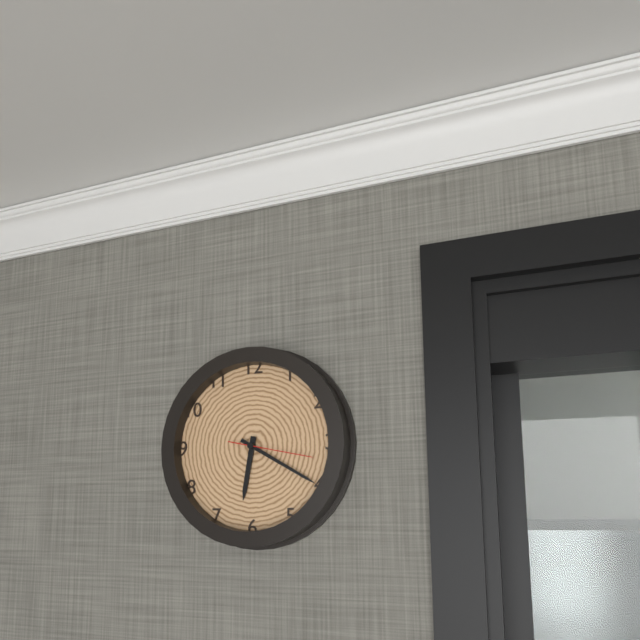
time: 6:20:17
